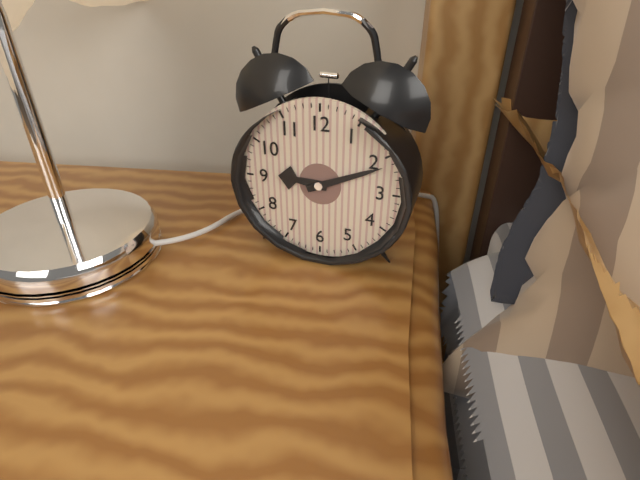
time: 9:11
